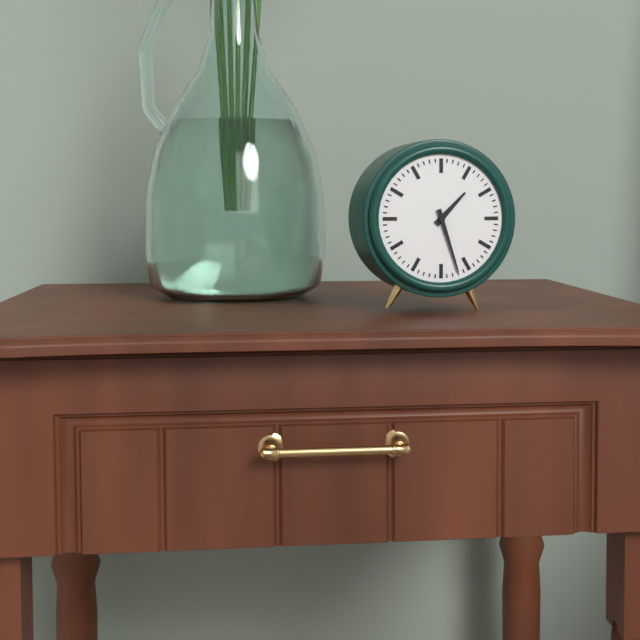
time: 1:27
